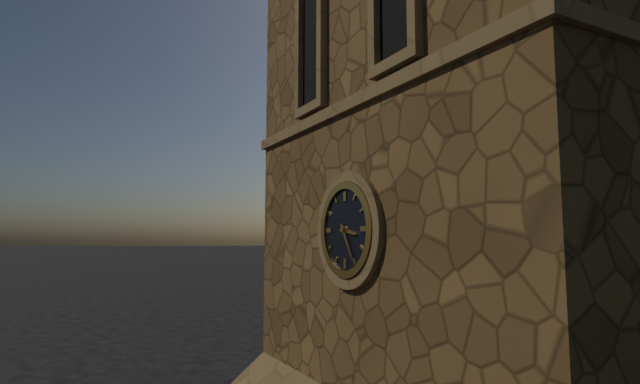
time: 3:25
